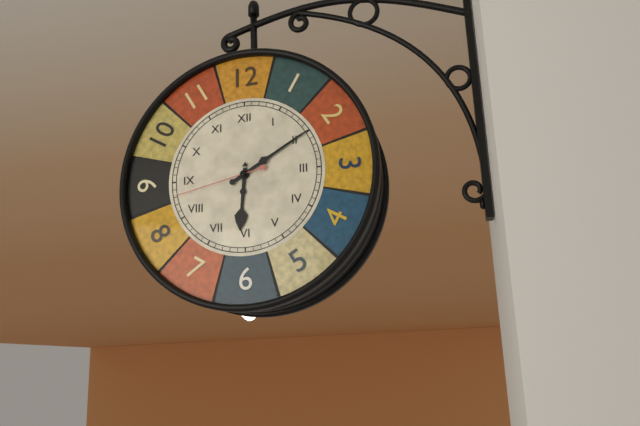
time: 6:10:43
